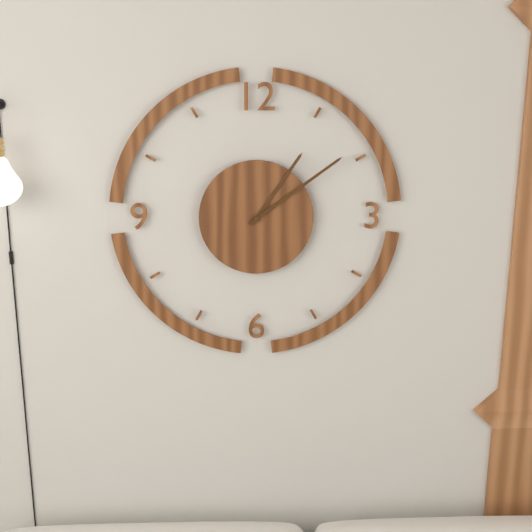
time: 1:09
